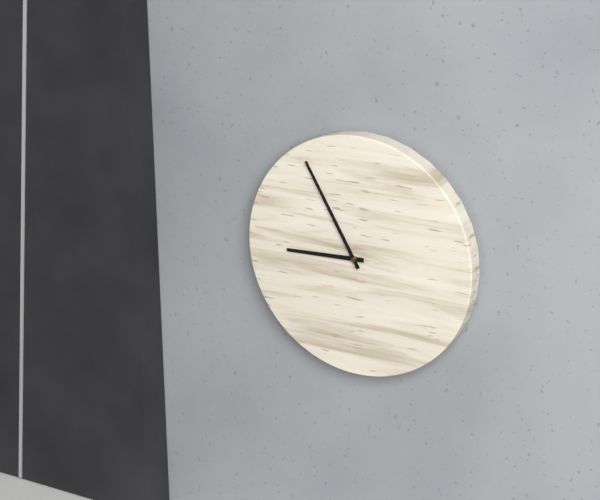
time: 8:55
